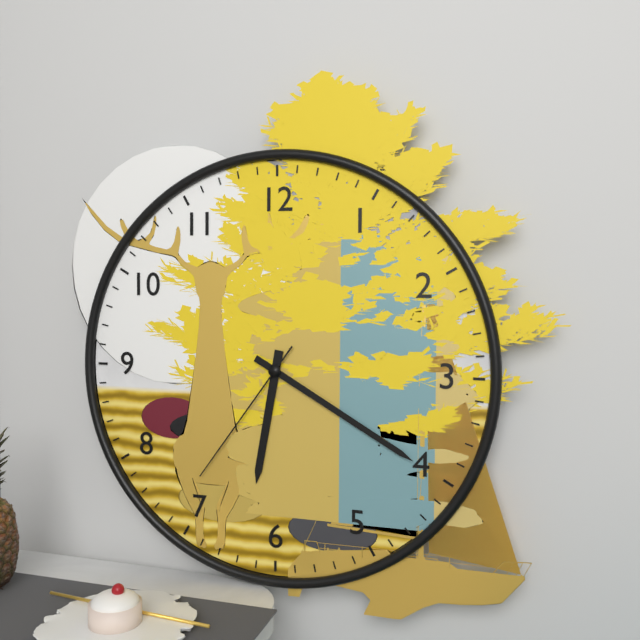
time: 6:20:36
